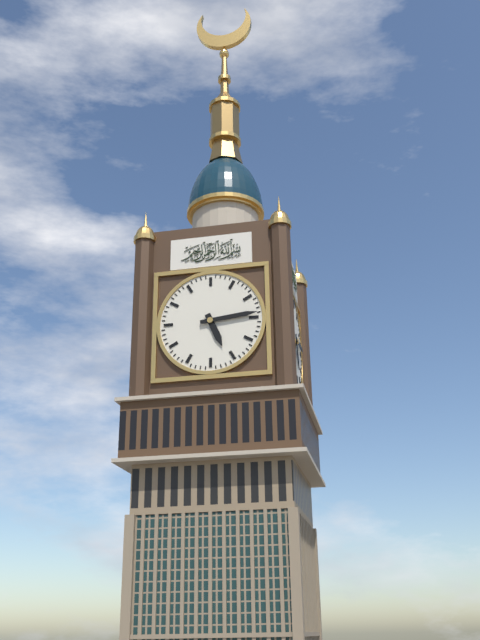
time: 5:14
